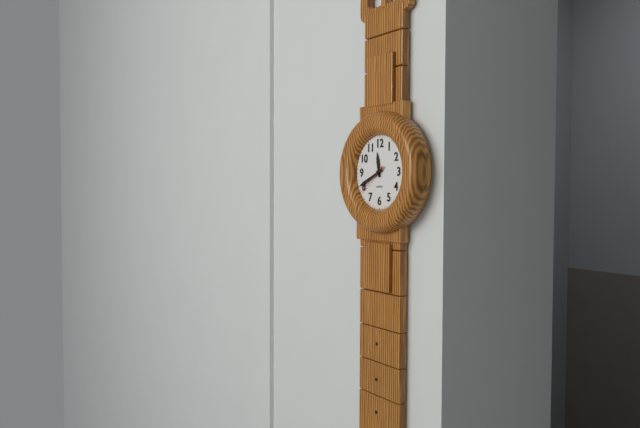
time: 11:41
